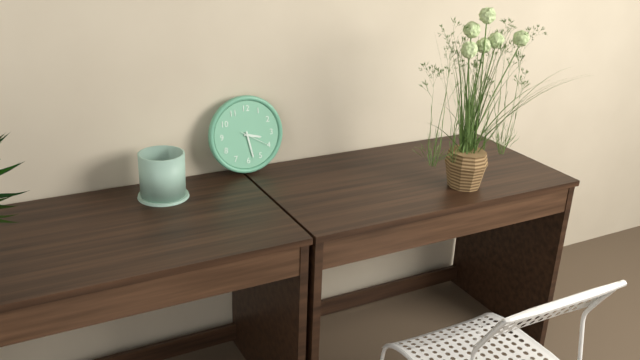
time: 3:28
